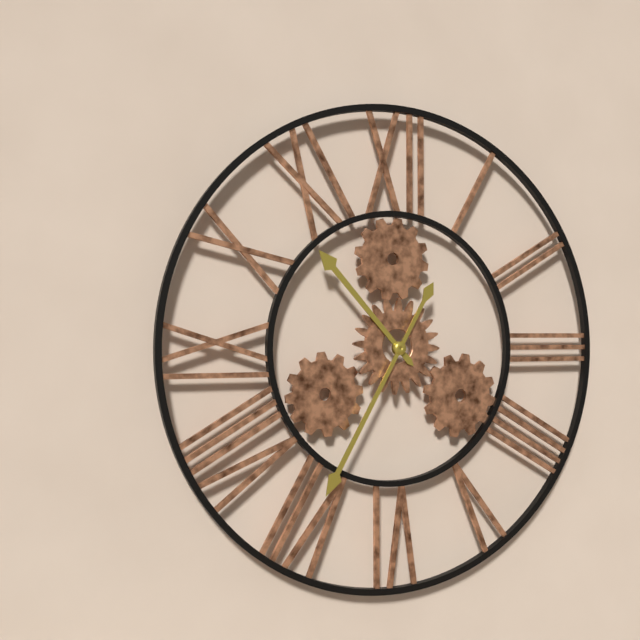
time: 10:35
